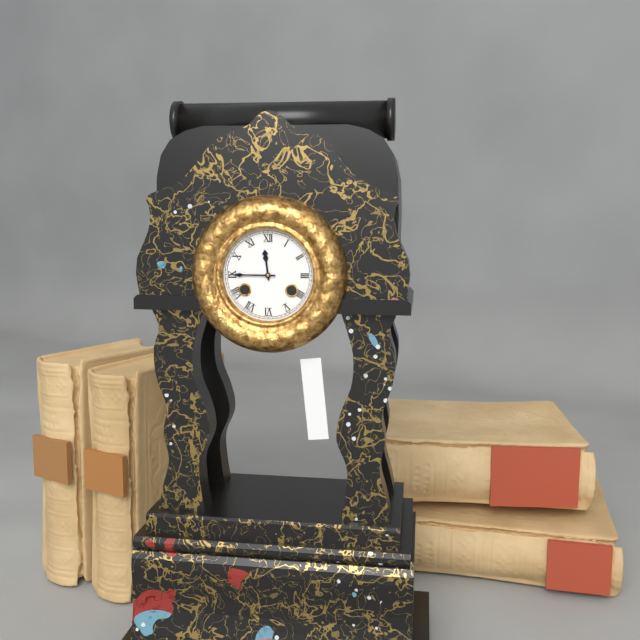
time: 11:45
